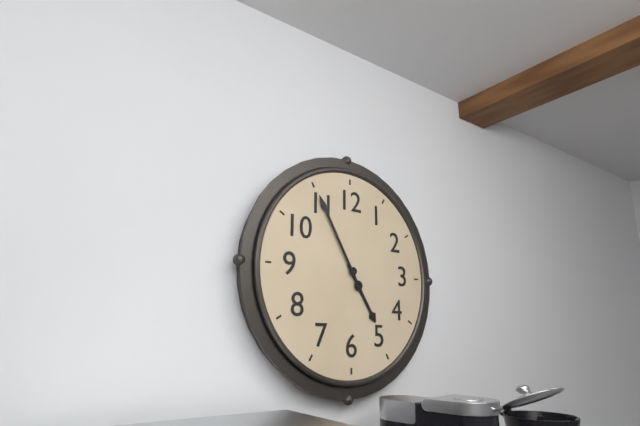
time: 4:55
